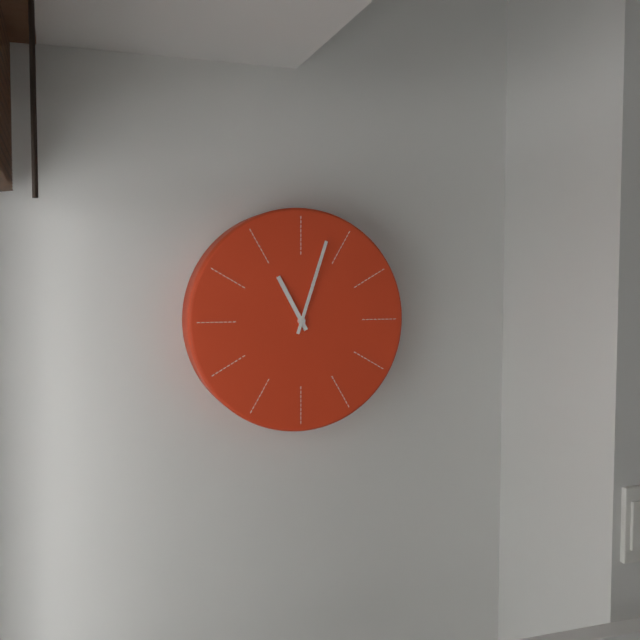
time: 11:03
